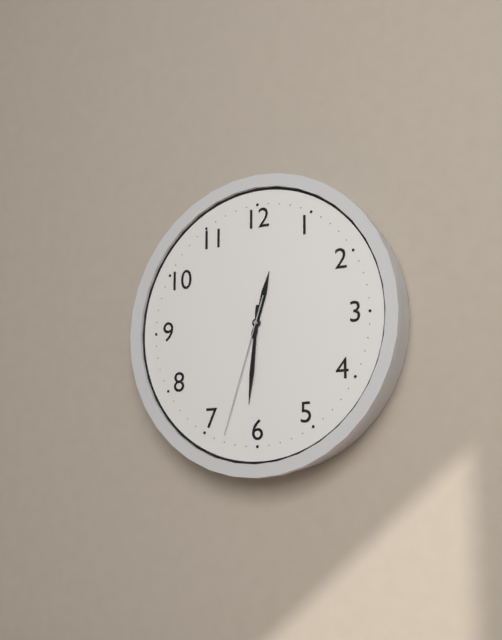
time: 12:31:33
